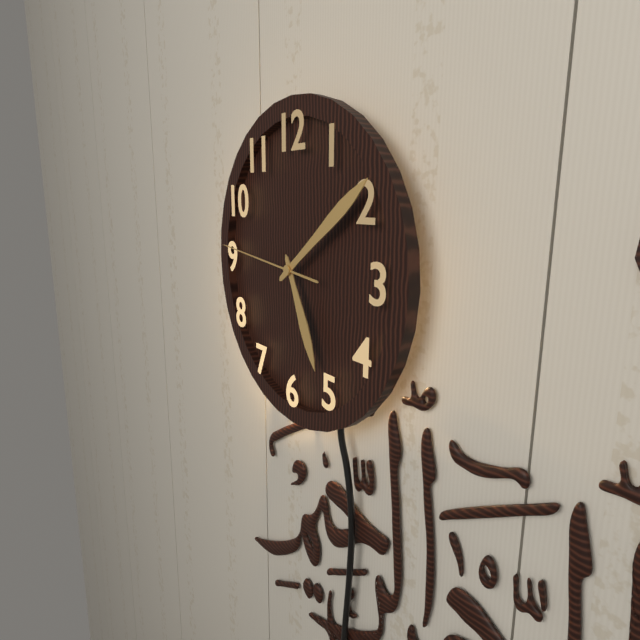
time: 5:09:46
